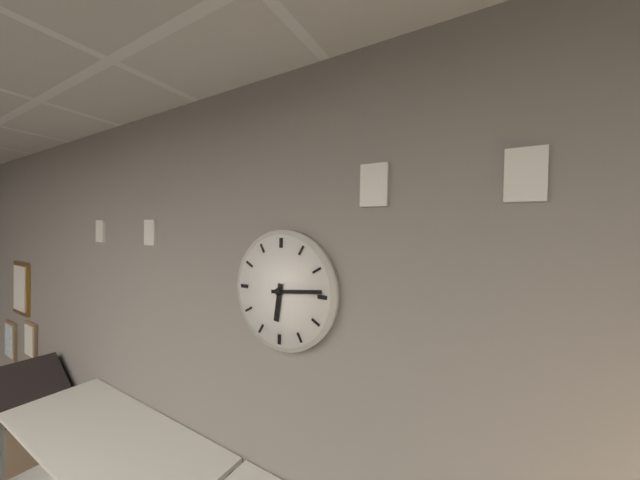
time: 6:14
